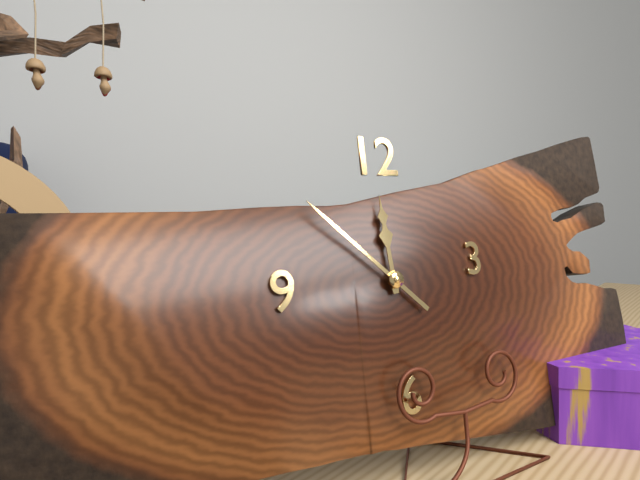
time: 11:52
